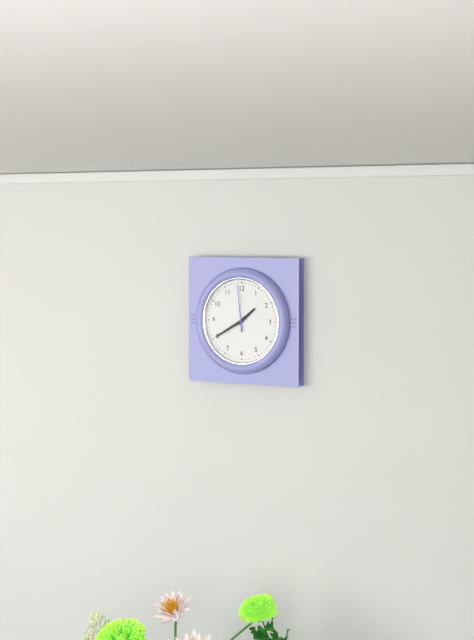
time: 1:40
